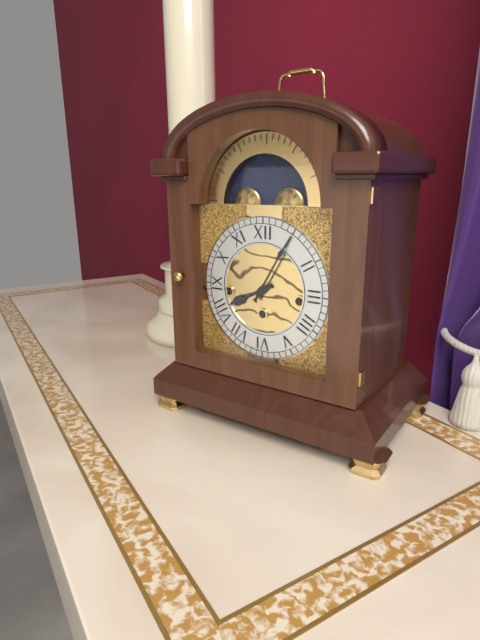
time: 8:05
